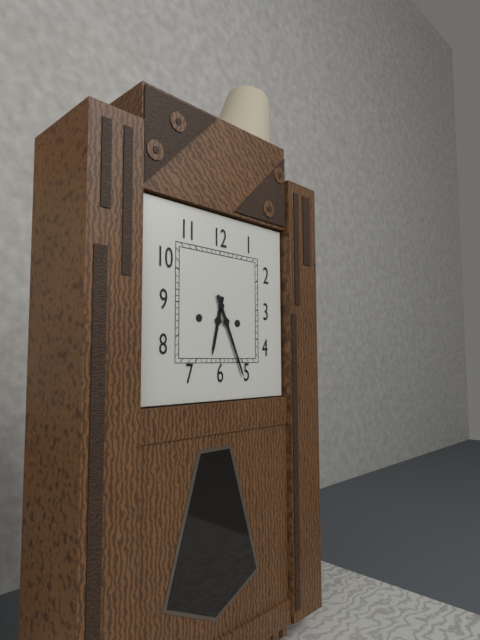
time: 6:26
